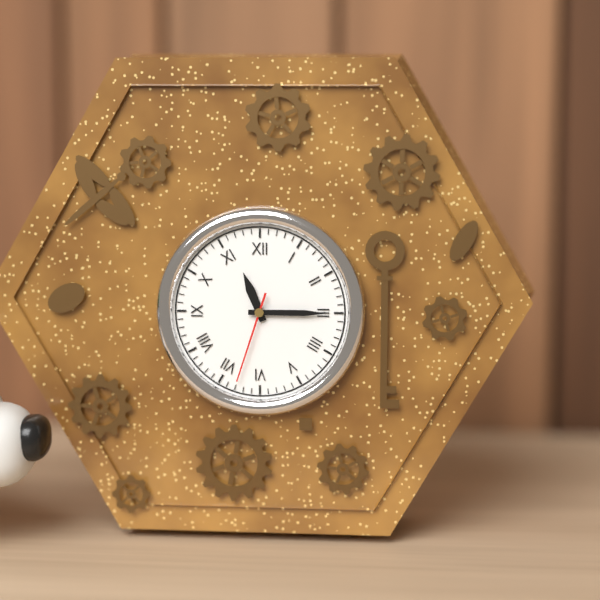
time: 11:15:33
